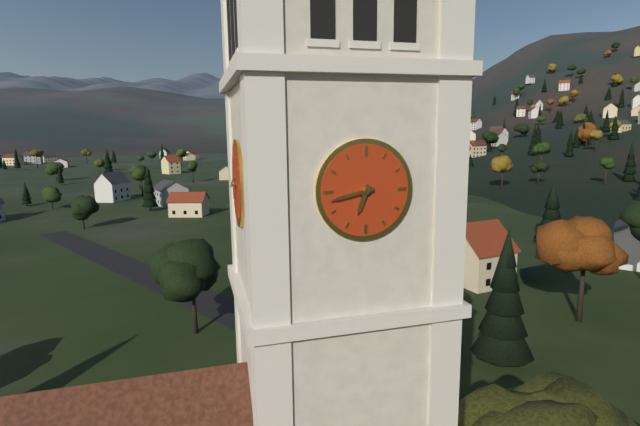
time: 6:43
